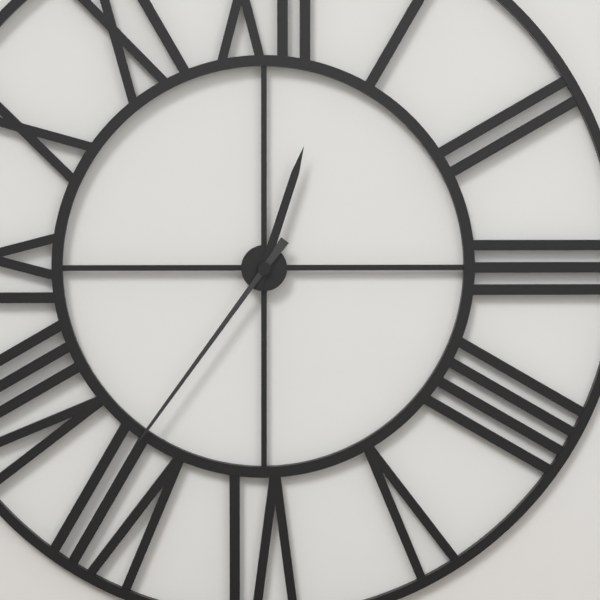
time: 12:36
